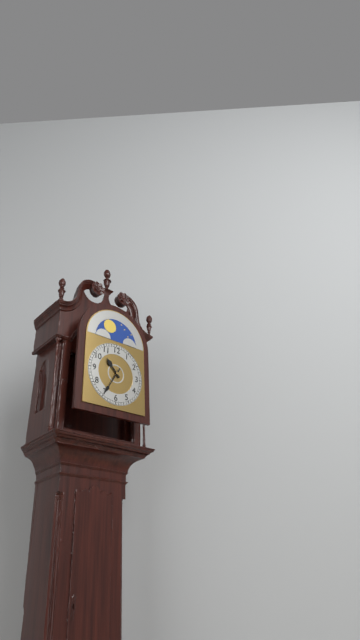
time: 10:35
